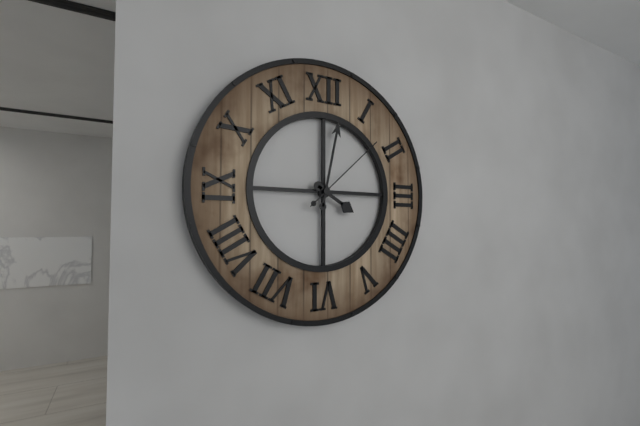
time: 4:02:08
